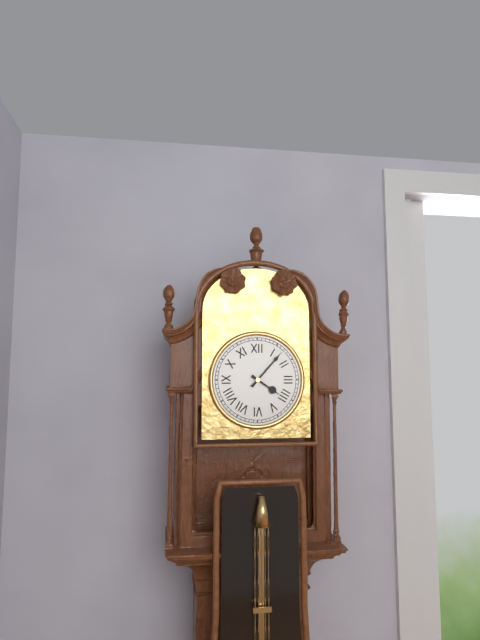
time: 4:07
